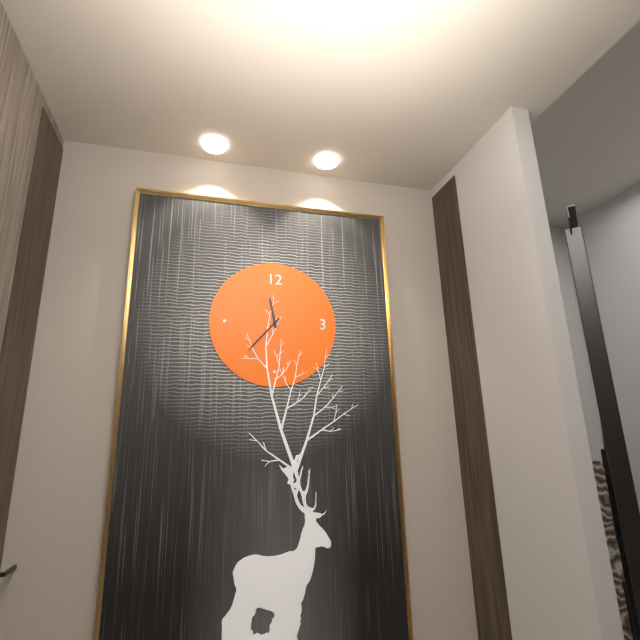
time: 11:37
